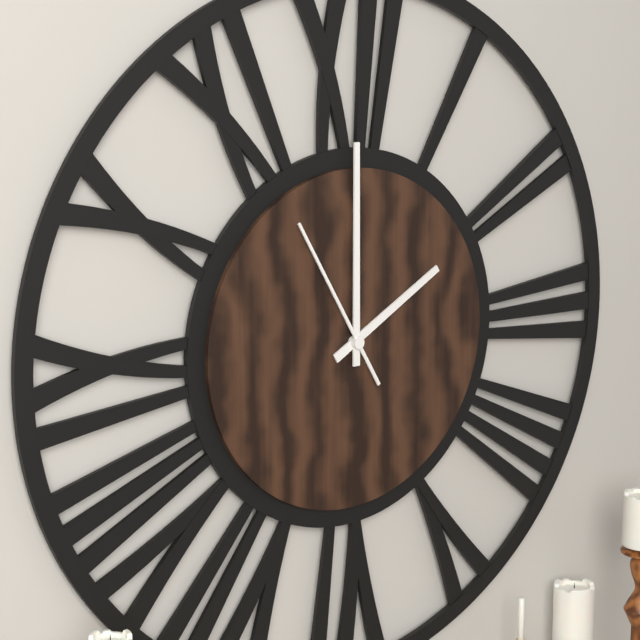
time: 2:00:55
